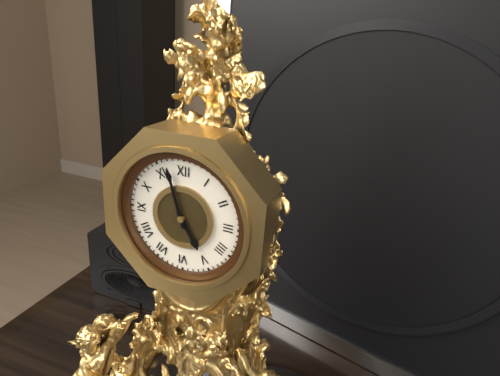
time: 4:57
